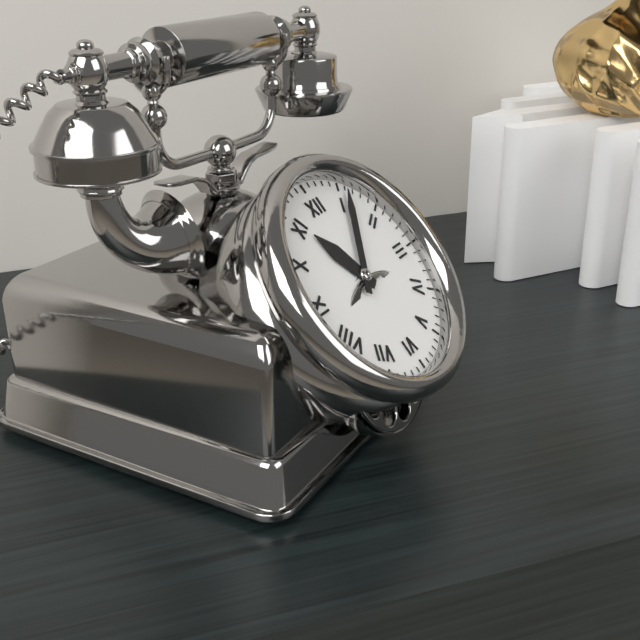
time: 11:06
